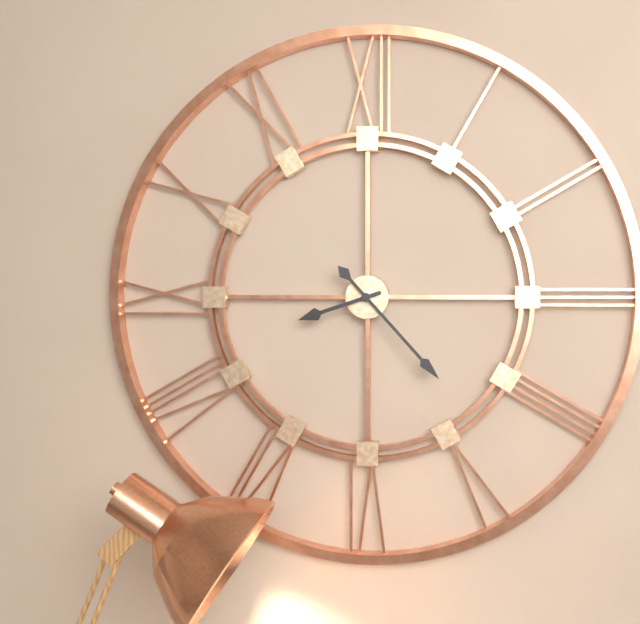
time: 8:23
